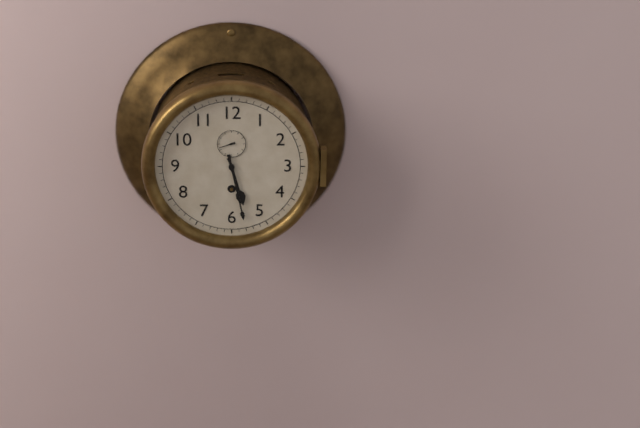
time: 5:28
